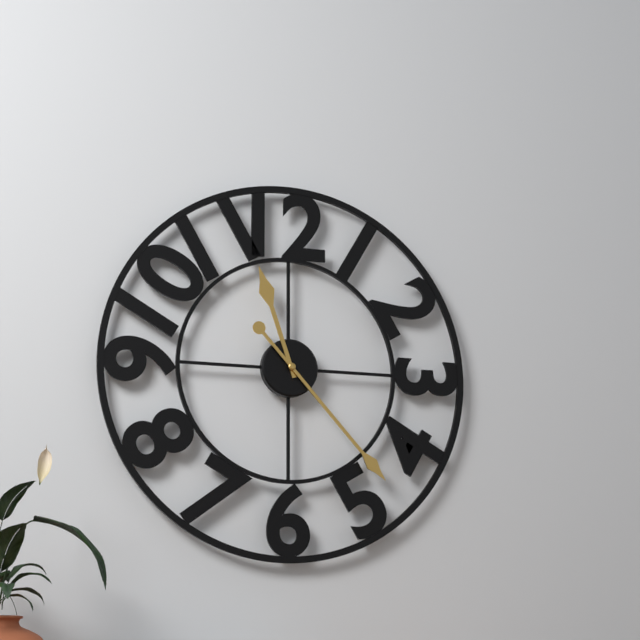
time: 11:23
